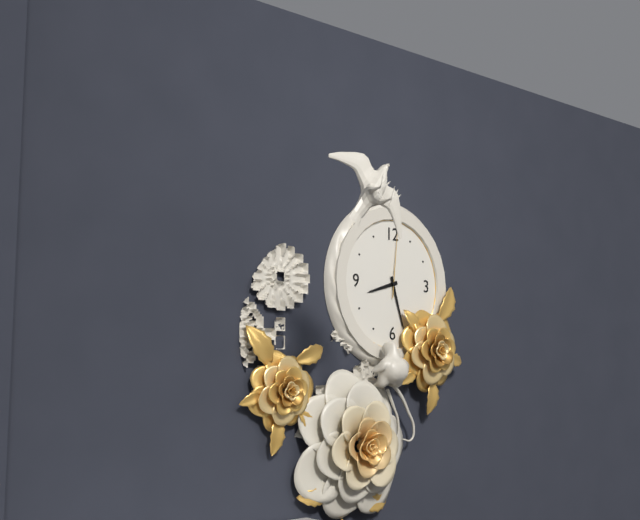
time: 8:27:01
